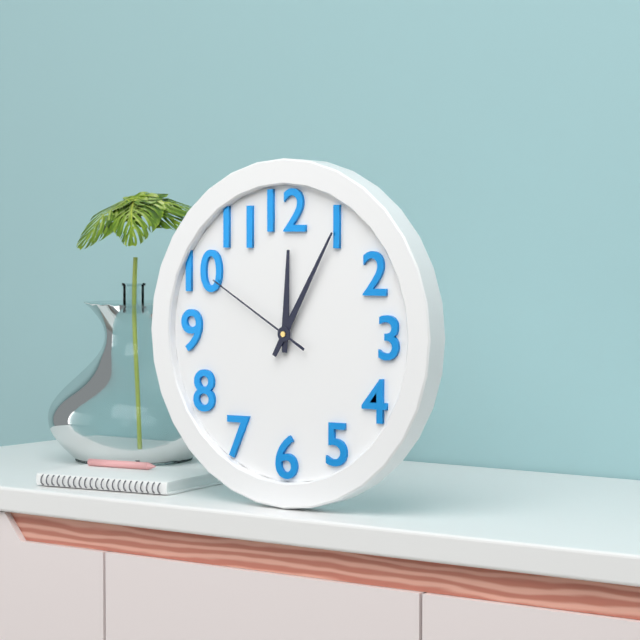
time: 12:05:50
